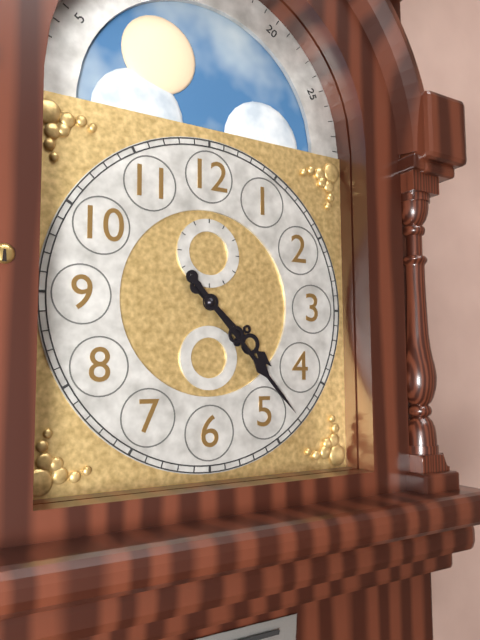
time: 4:23
